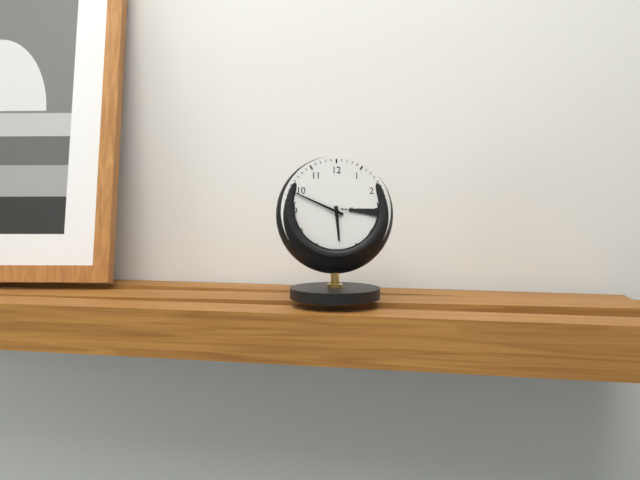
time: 5:49
